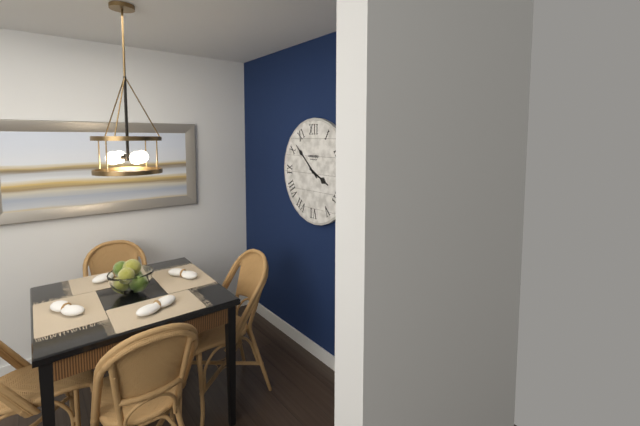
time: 3:52
